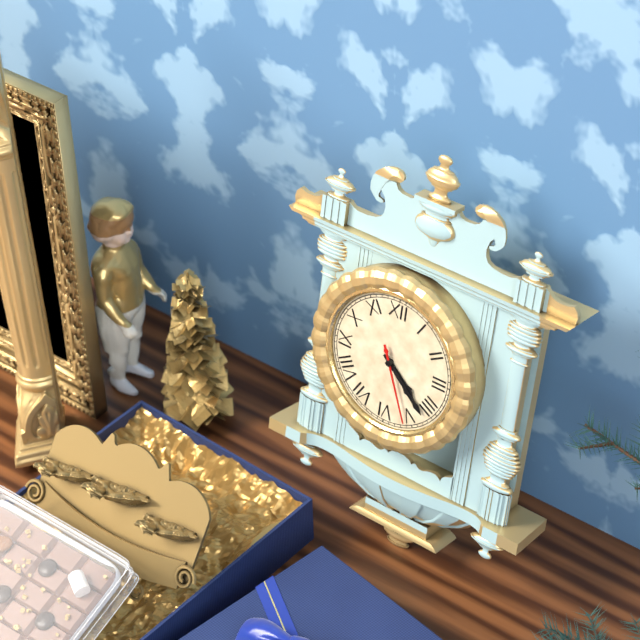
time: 4:22:26
